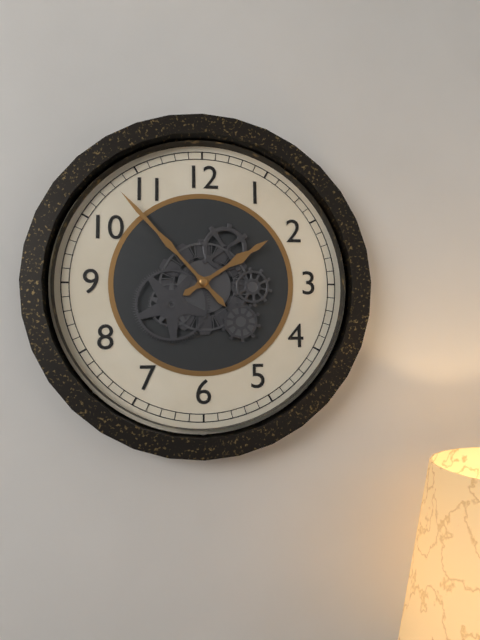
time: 1:53
